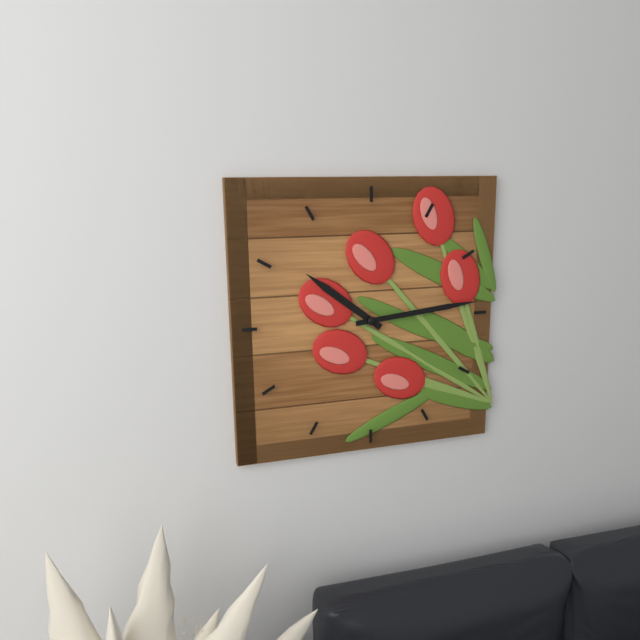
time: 10:14
